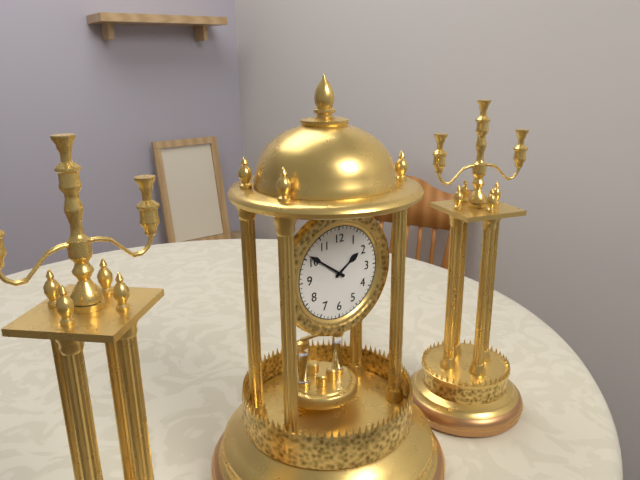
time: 1:51
